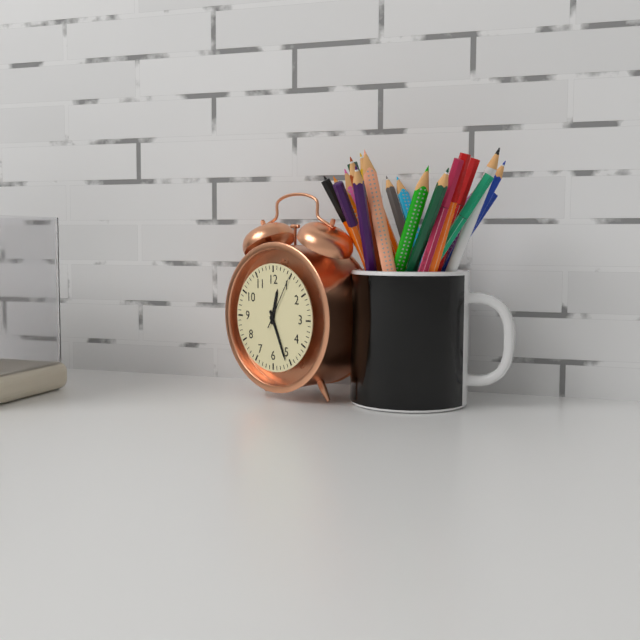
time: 12:26:05
